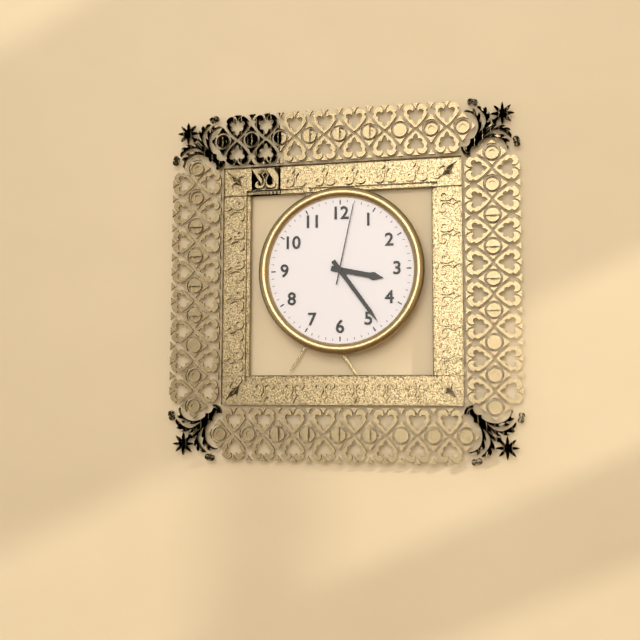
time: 3:24:02
